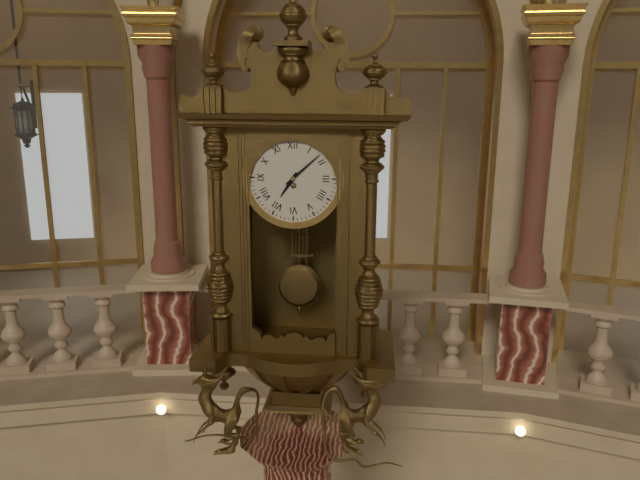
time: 7:08
